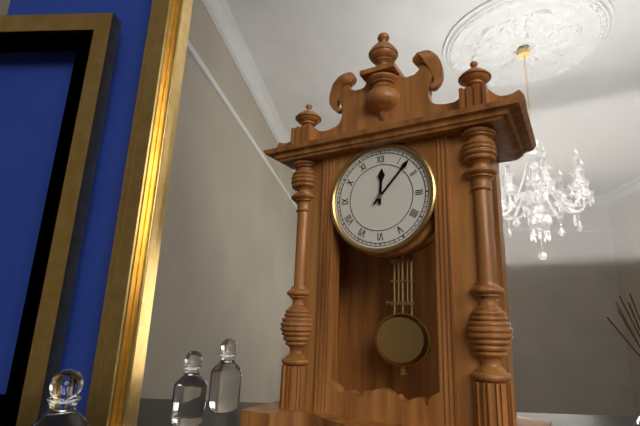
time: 12:07
